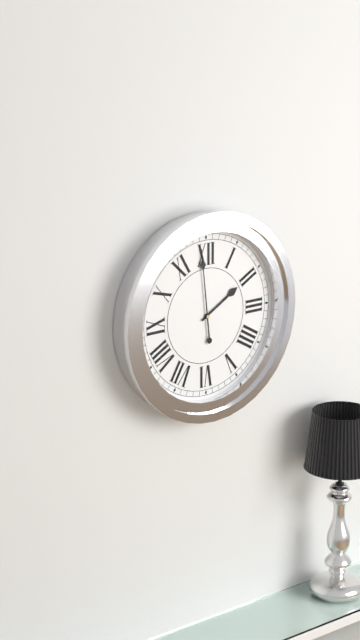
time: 1:59
